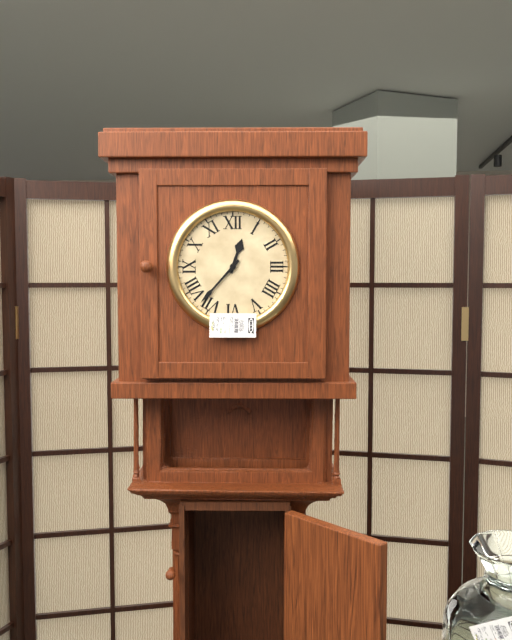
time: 12:37
